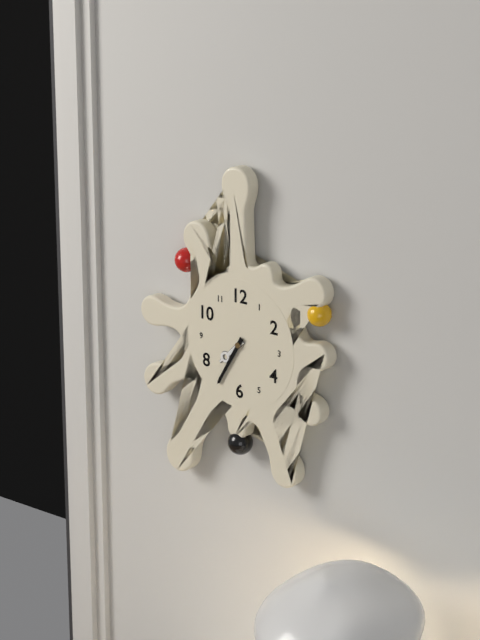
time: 7:35
